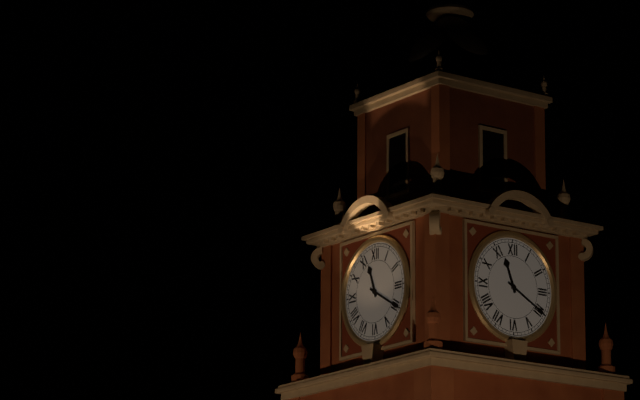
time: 11:20
